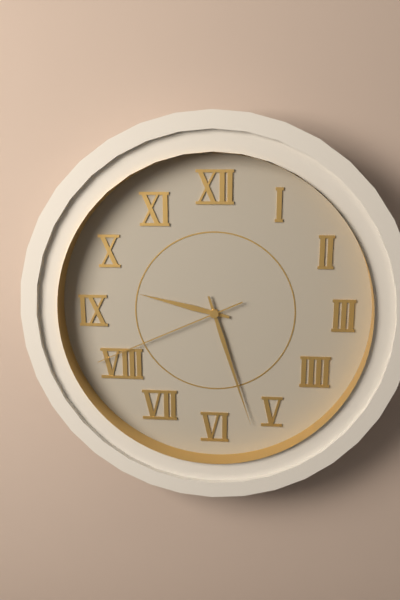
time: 9:27:41
